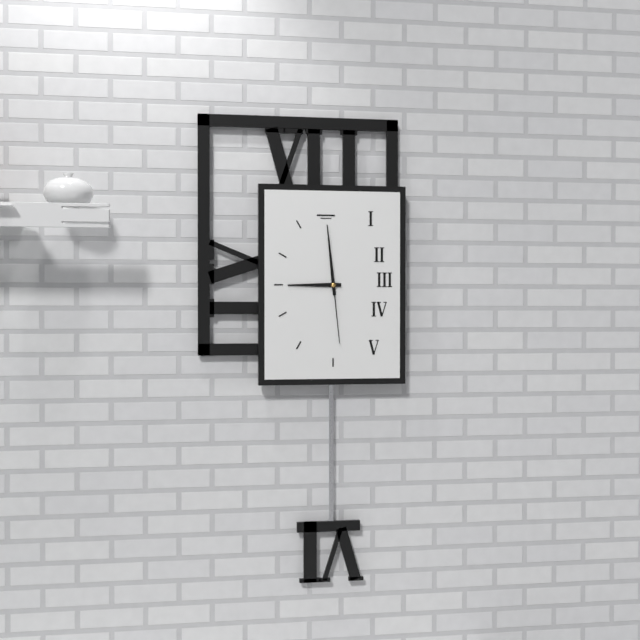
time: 8:59:29
